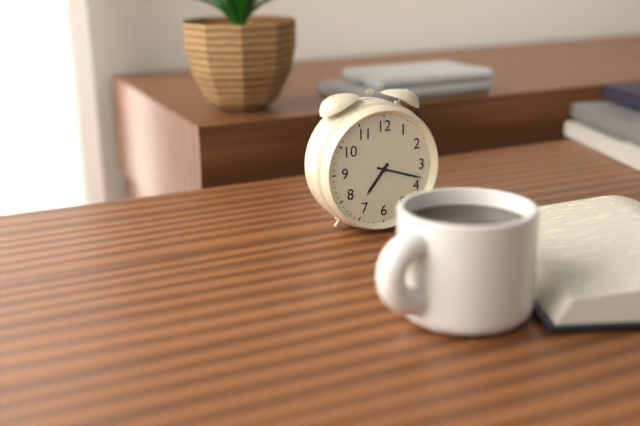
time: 7:18
